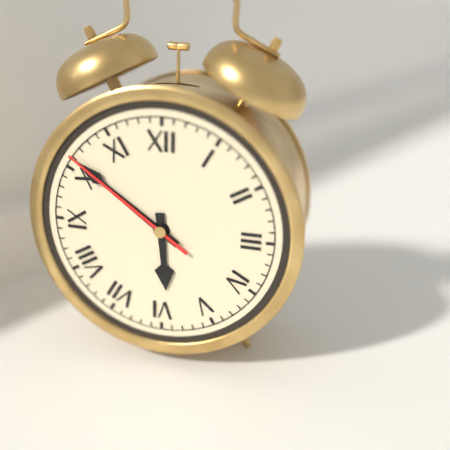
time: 5:51:51
